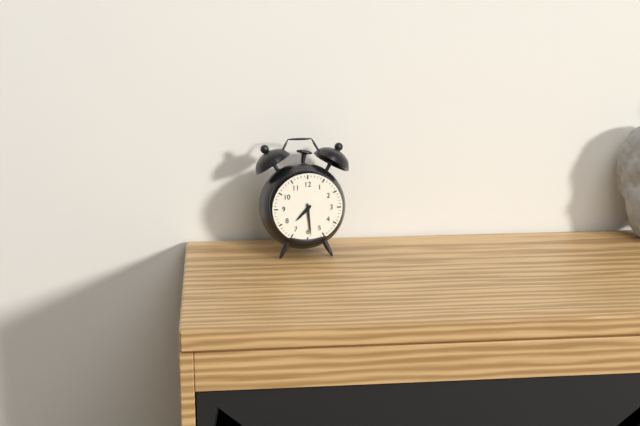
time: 7:29
